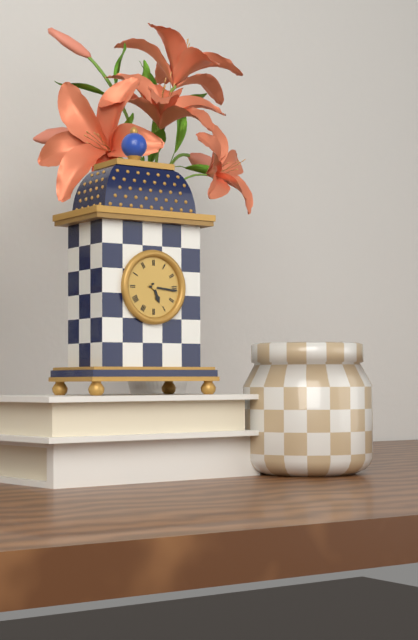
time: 5:16
